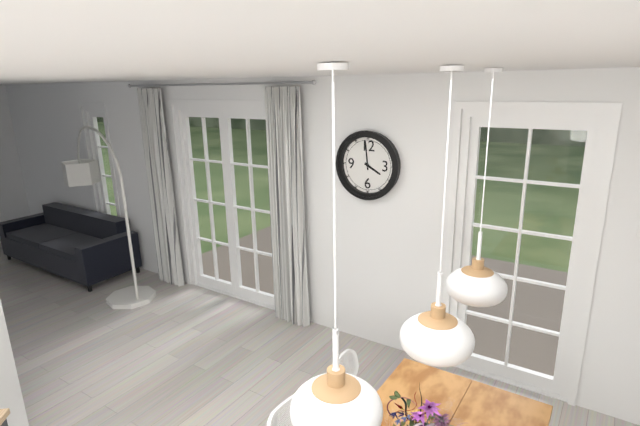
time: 3:59
